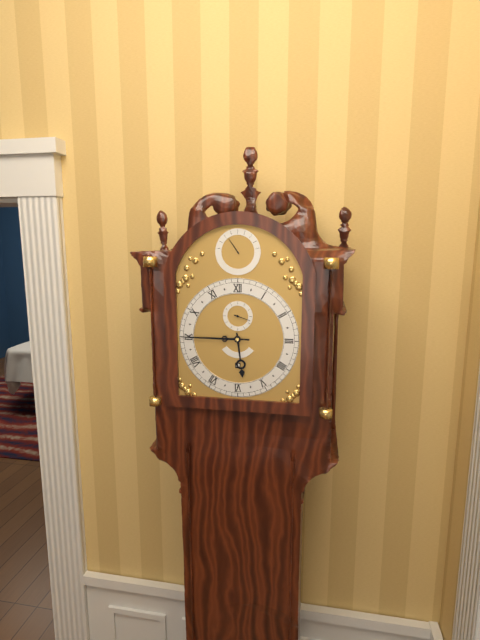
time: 5:45
